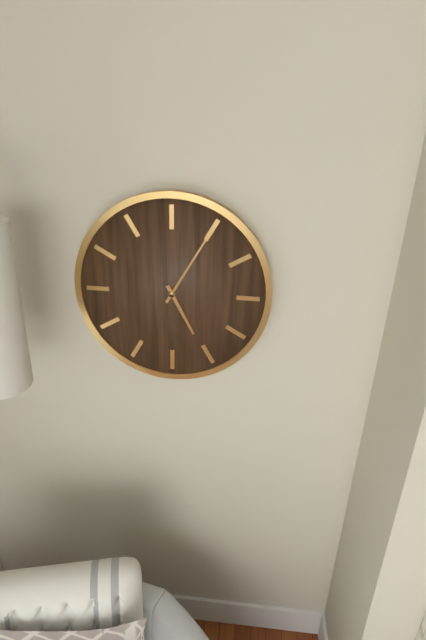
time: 5:05
